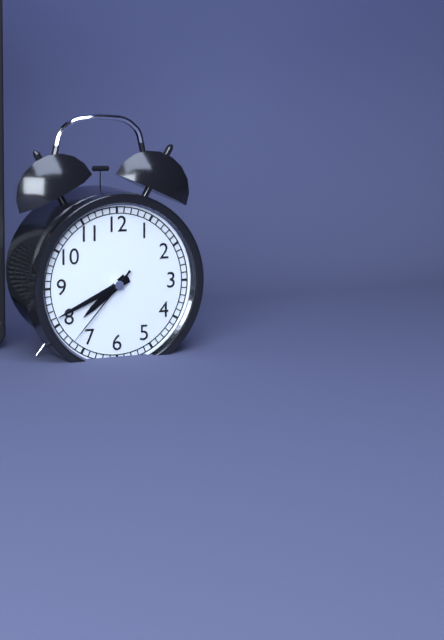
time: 7:41:37
